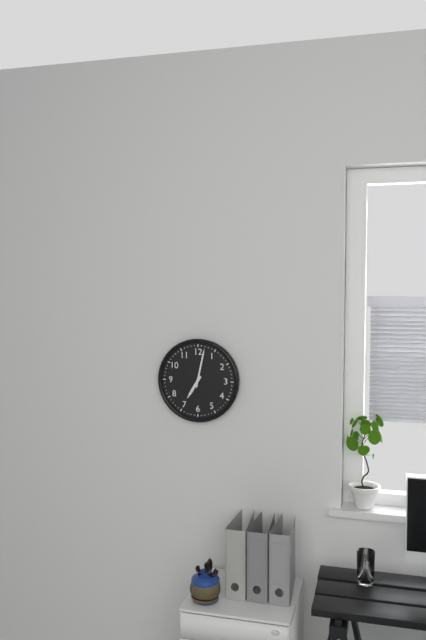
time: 7:02
